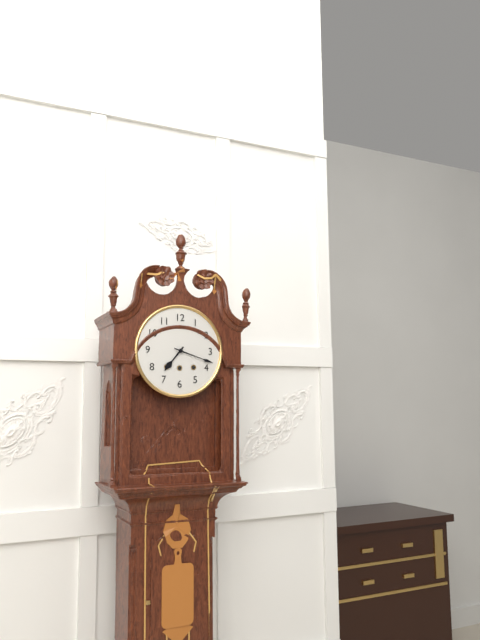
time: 7:18
